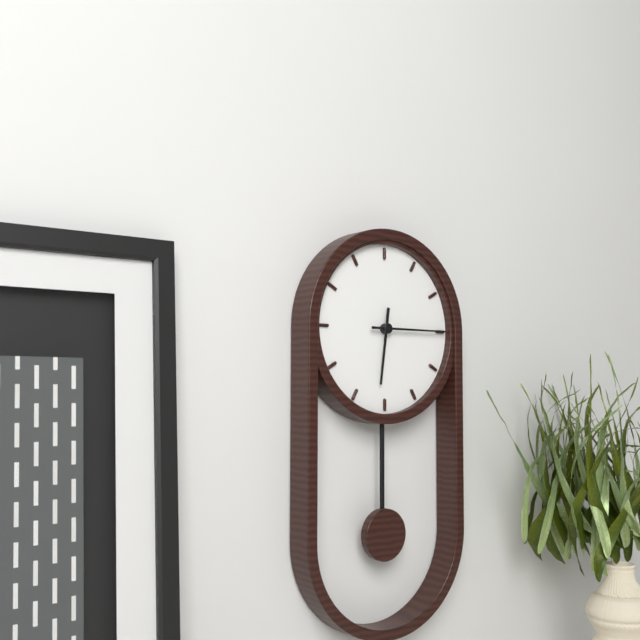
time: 6:15
